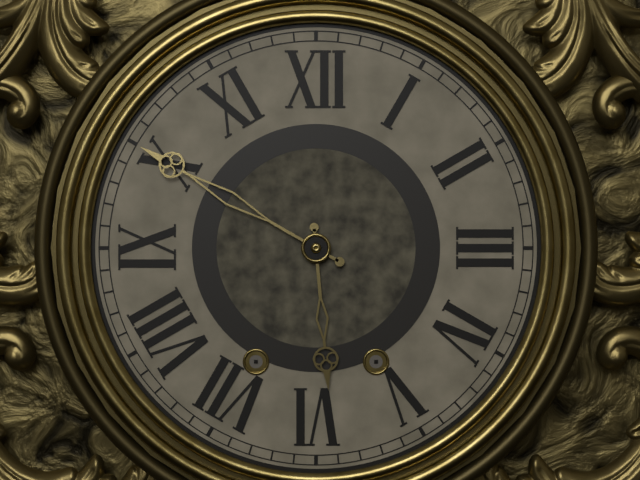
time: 5:50
